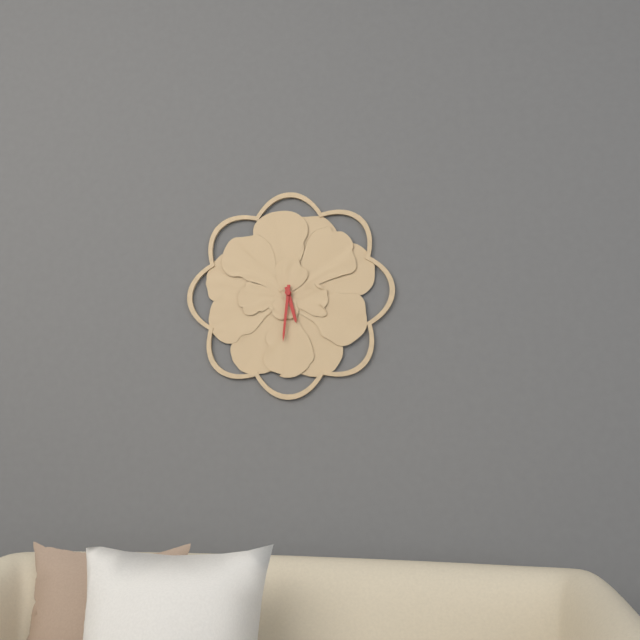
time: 5:31
